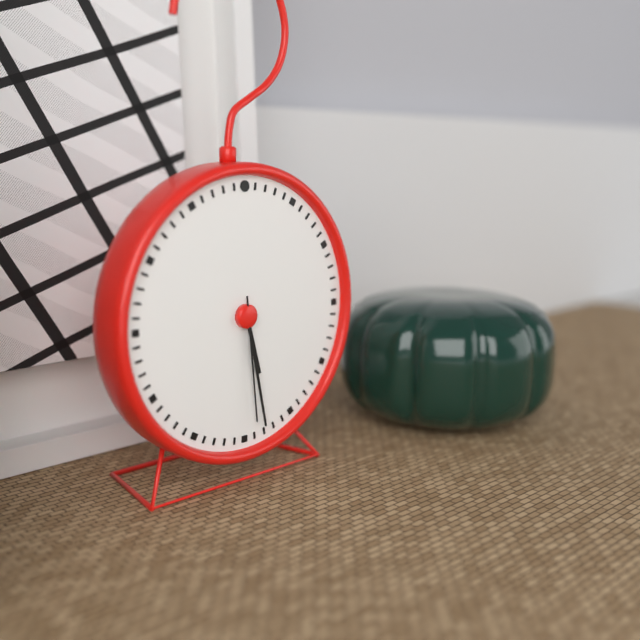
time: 5:28:29
